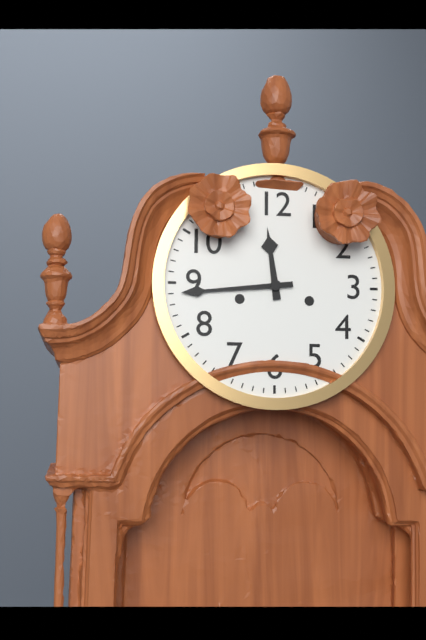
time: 11:44
